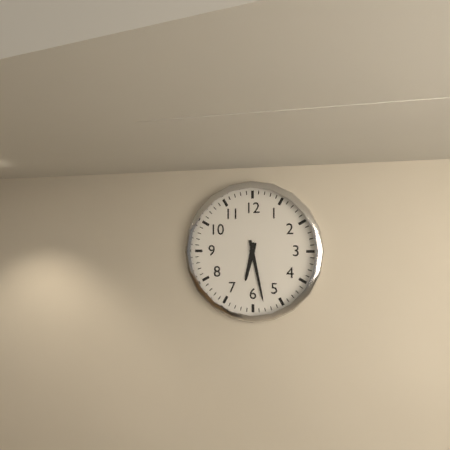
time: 6:28
